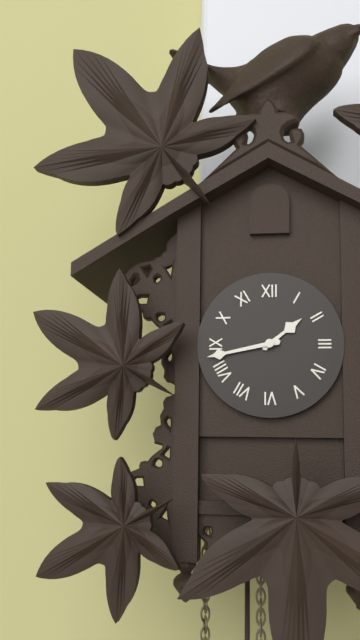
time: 1:43
